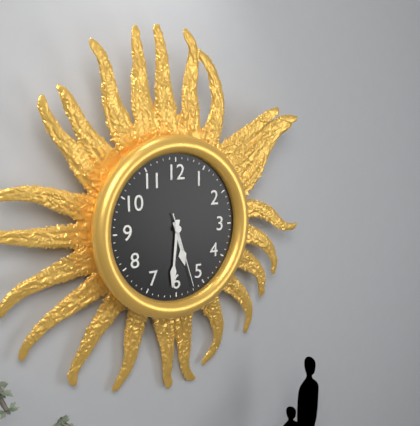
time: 5:31:27
